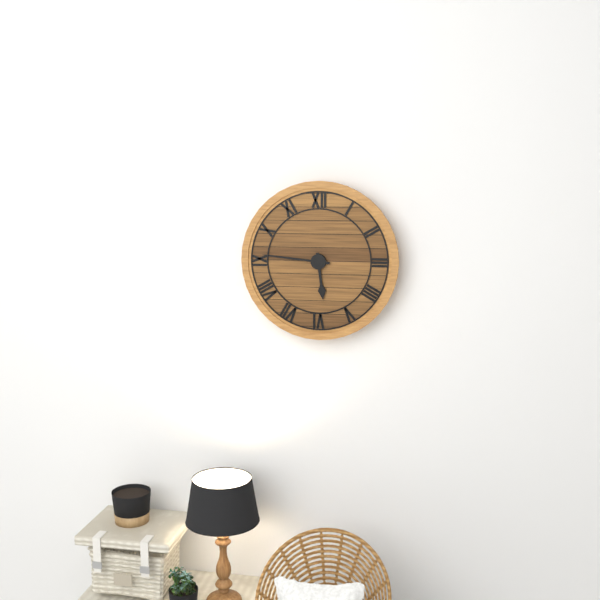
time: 5:46
